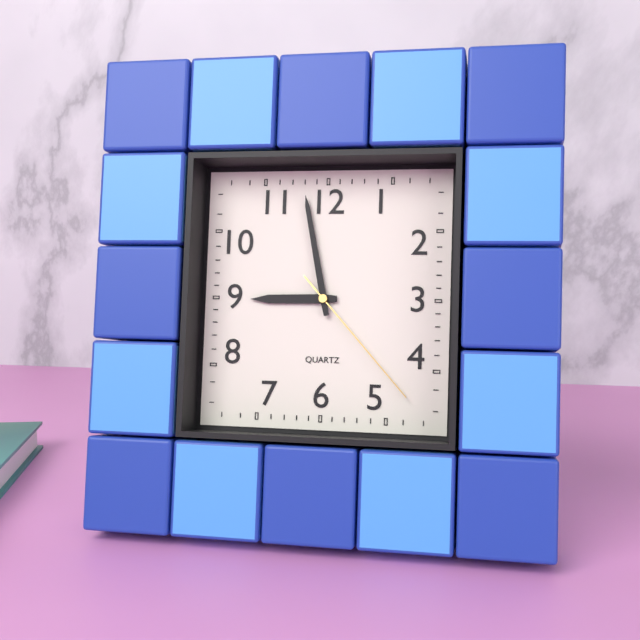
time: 8:58:23
